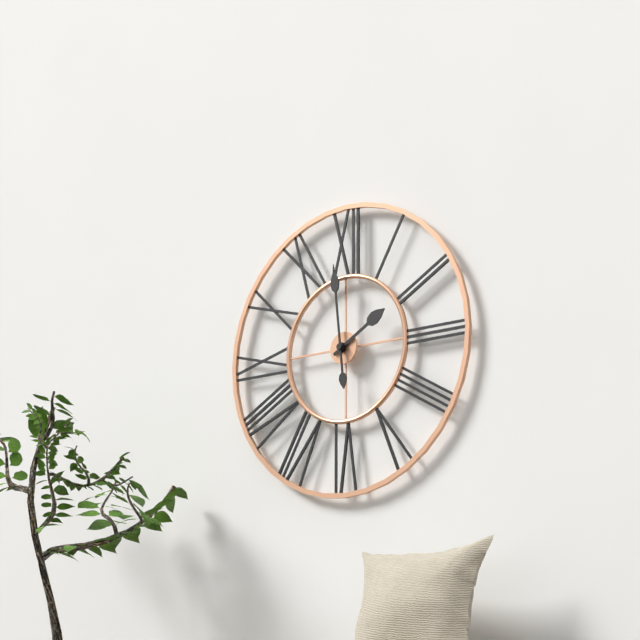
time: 1:59
